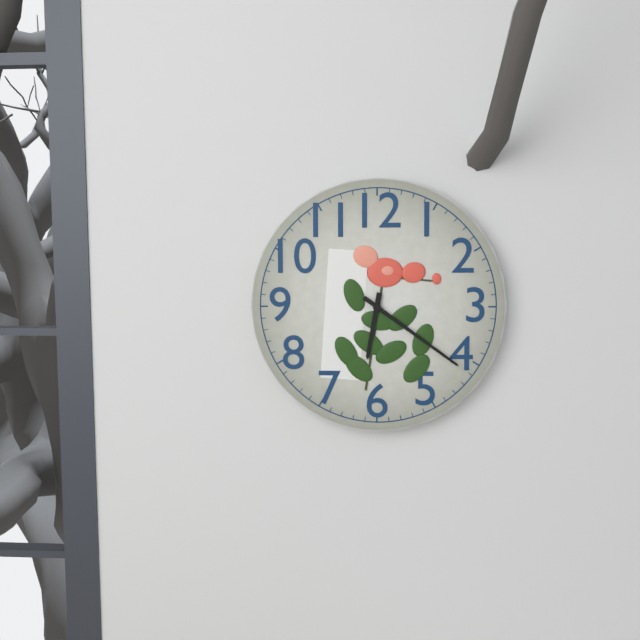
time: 6:21
